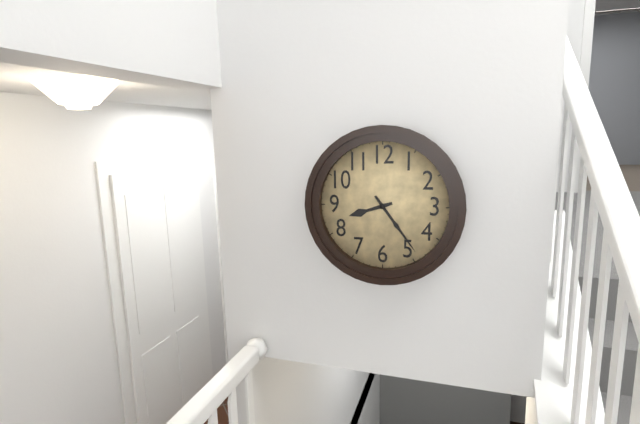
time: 8:24
